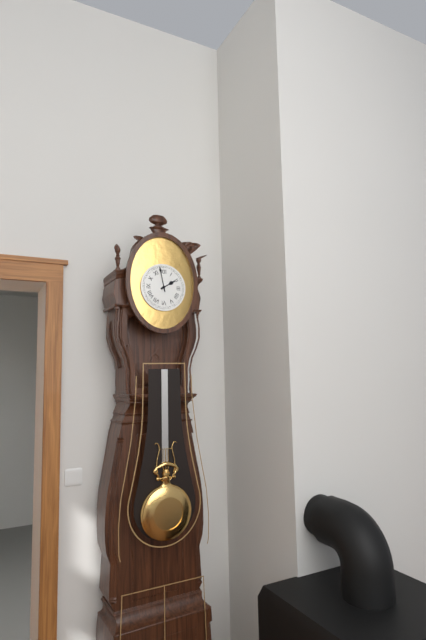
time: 1:58
